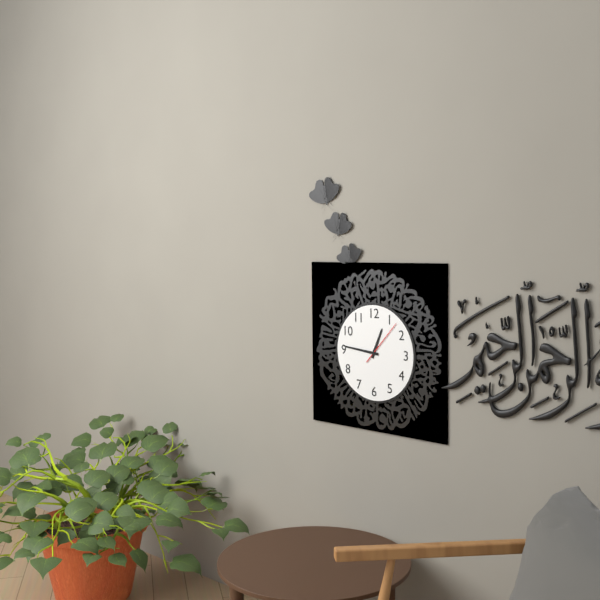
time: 12:46
